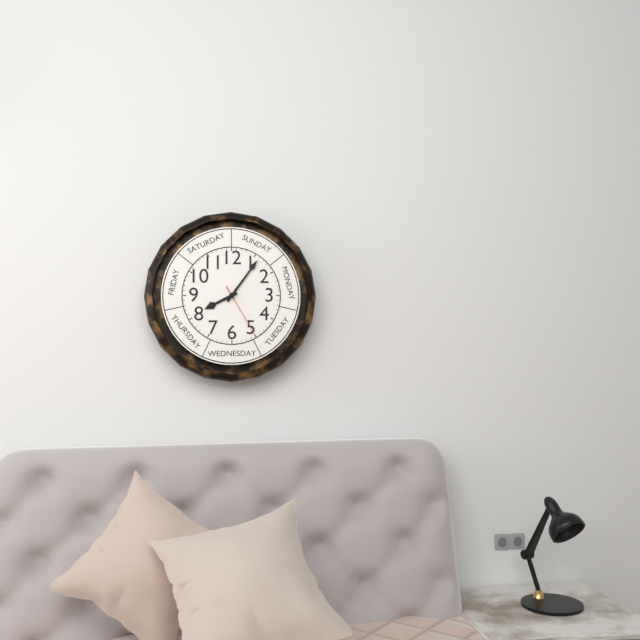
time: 8:06:25
